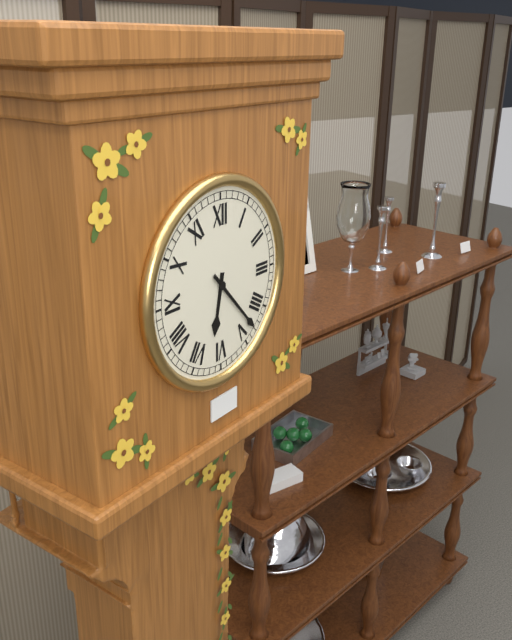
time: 6:23
